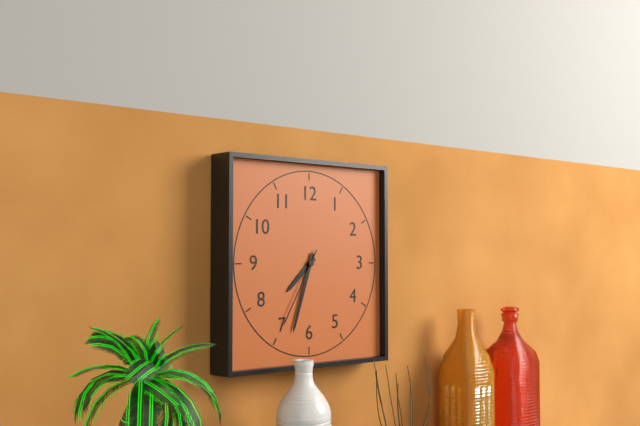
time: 7:33:35
